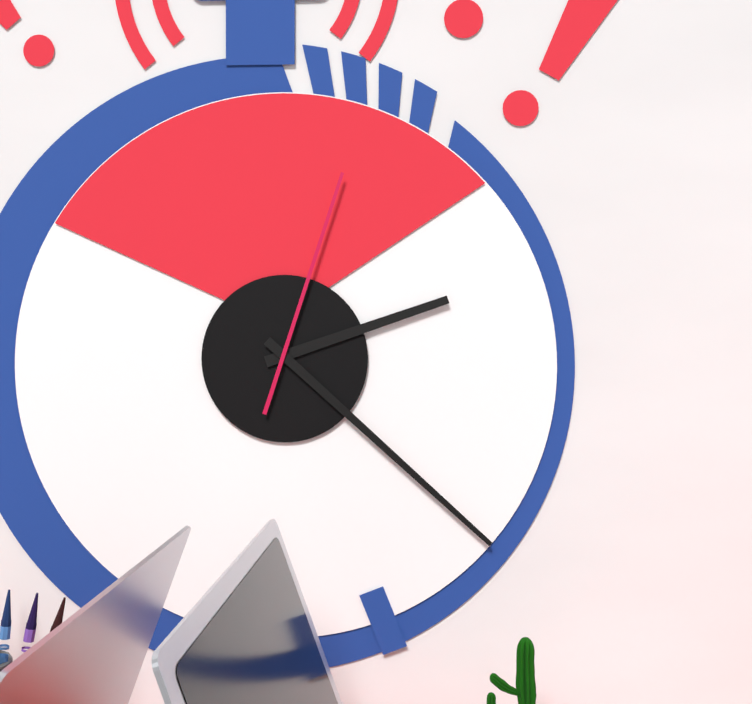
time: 2:22:03
